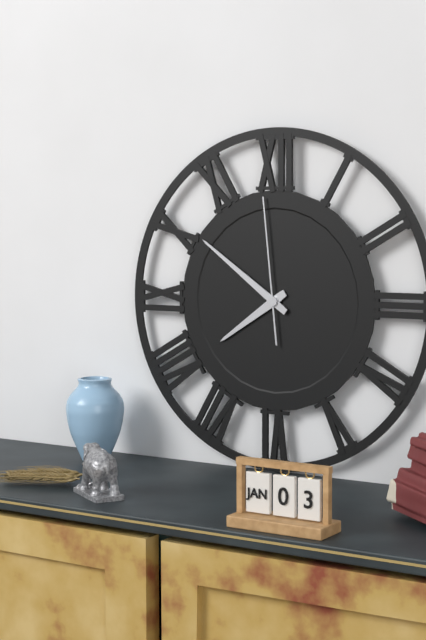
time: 7:51:59
